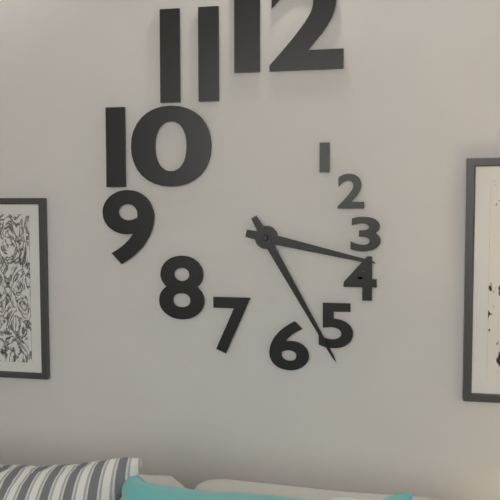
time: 3:25
